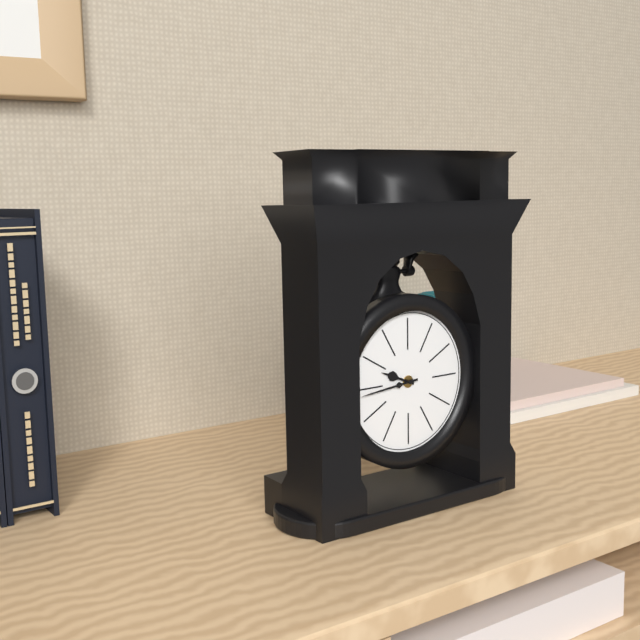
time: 9:44
